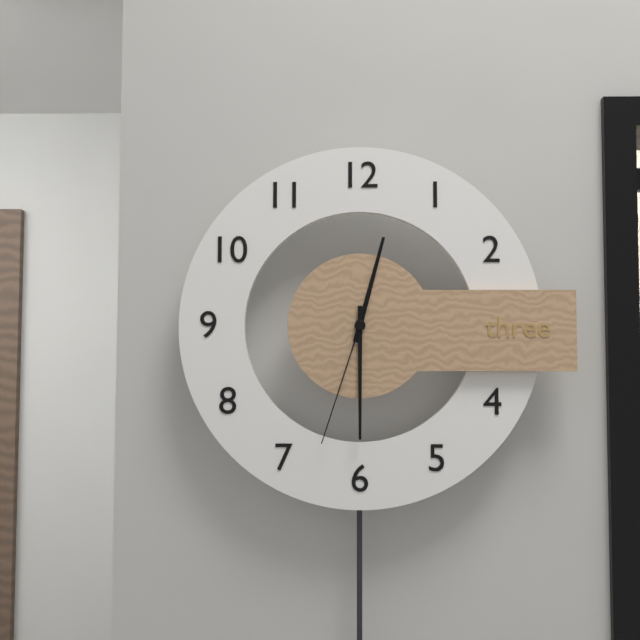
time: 12:30:33
